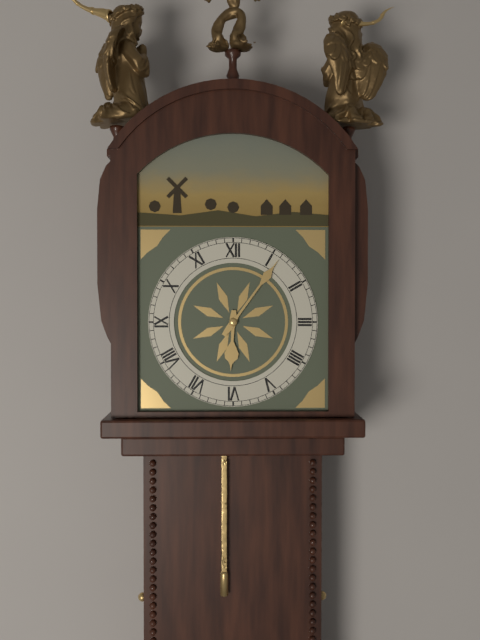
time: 6:06
